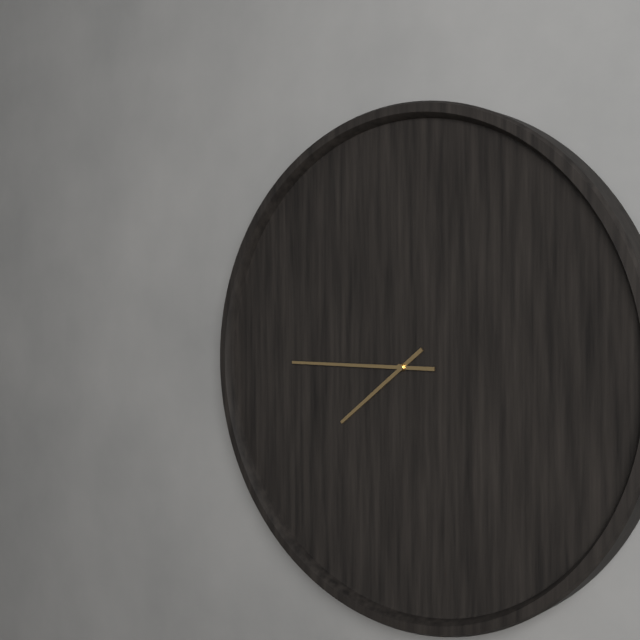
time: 7:45
